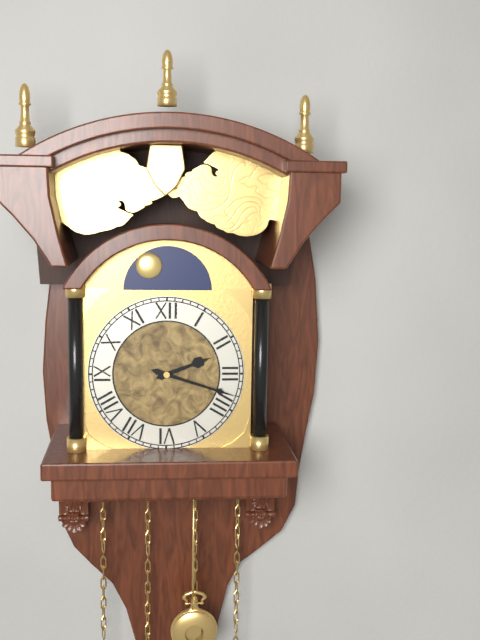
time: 2:18
